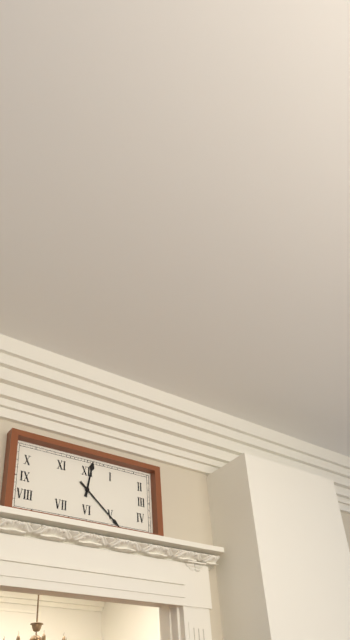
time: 12:22
